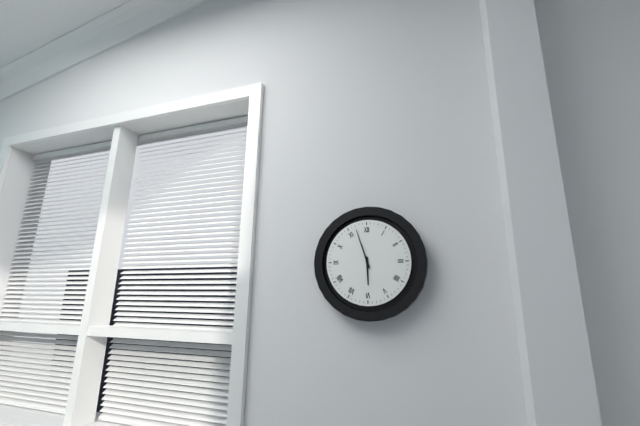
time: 5:57
